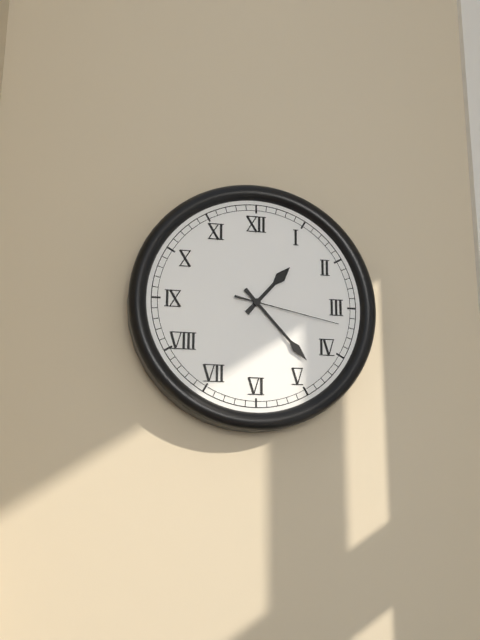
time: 1:23:17
